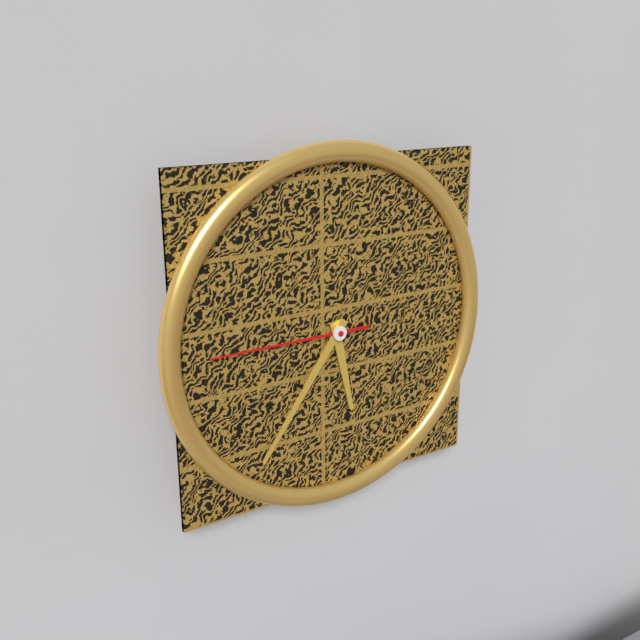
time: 5:36:45
